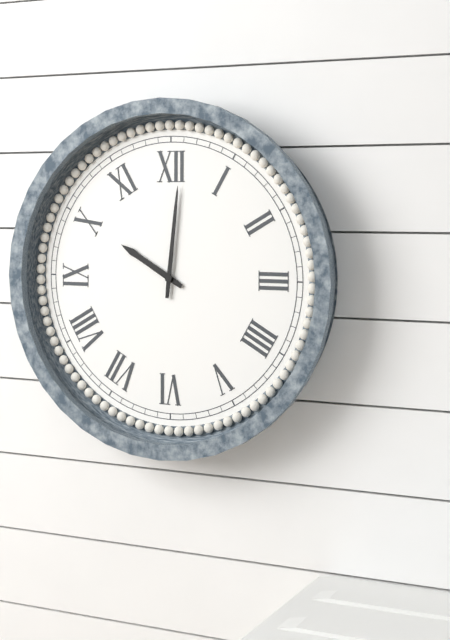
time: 10:01
